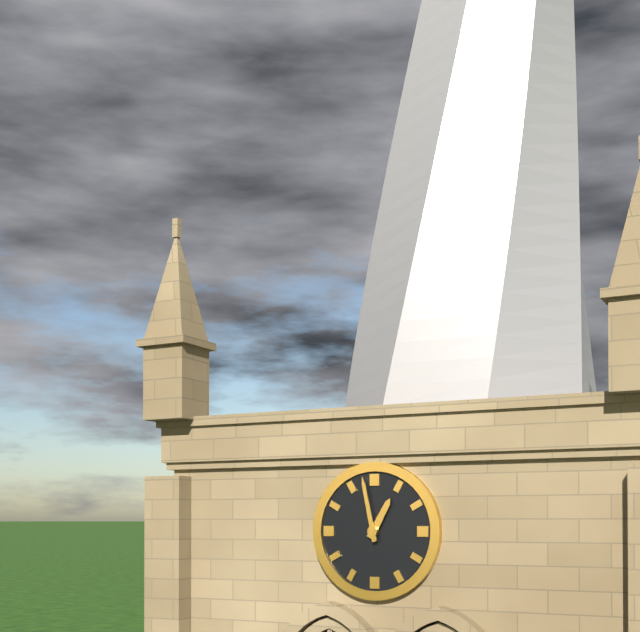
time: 12:58
